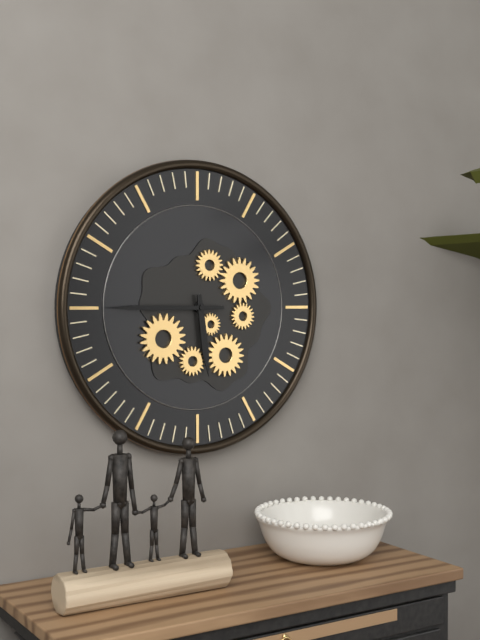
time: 5:45
